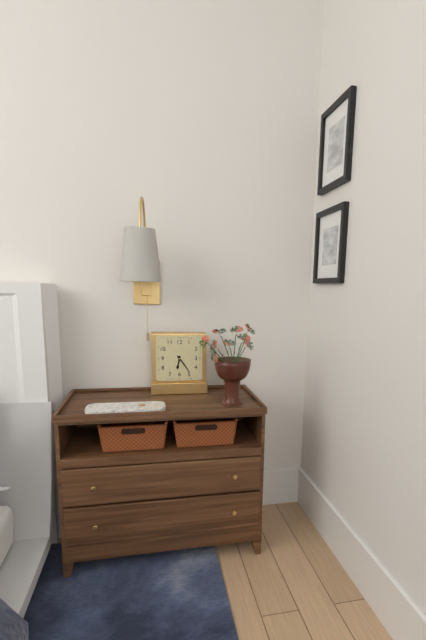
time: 6:24
